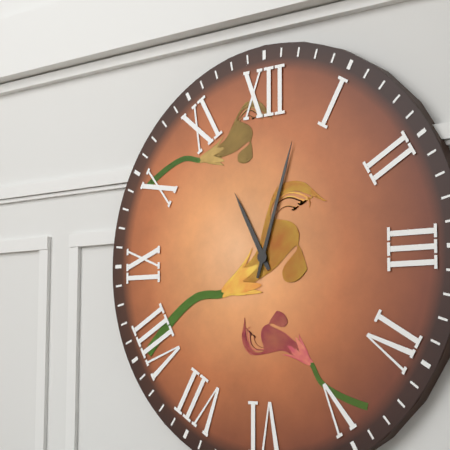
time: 11:03
